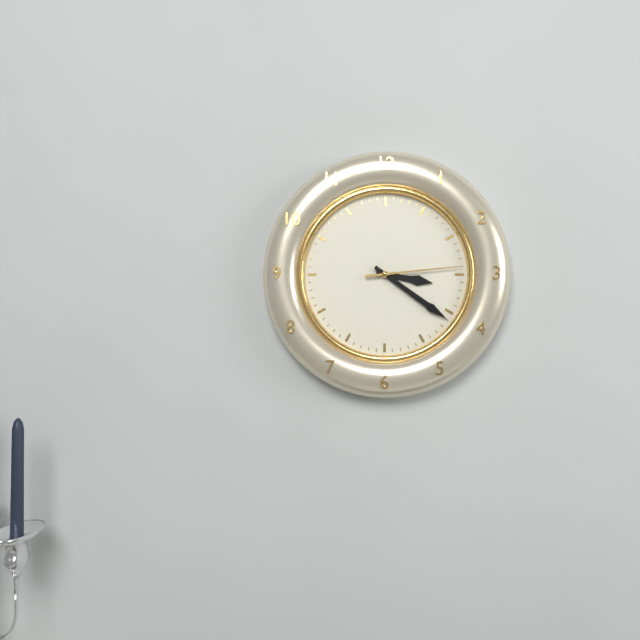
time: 3:21:14
